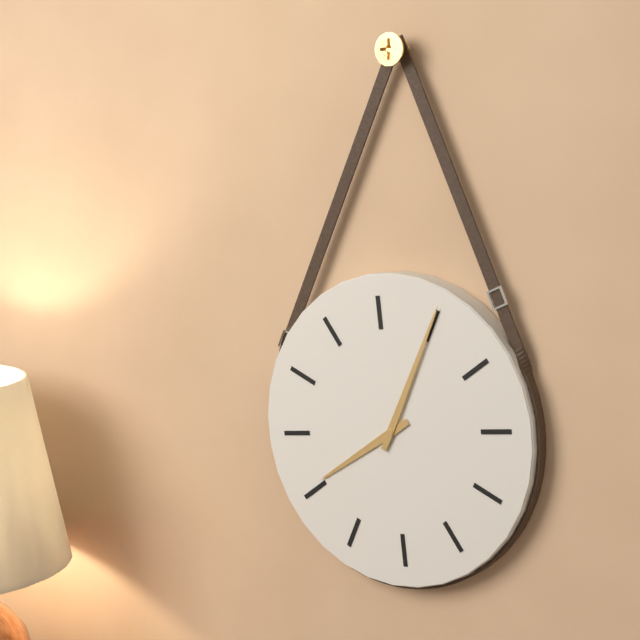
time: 8:05
